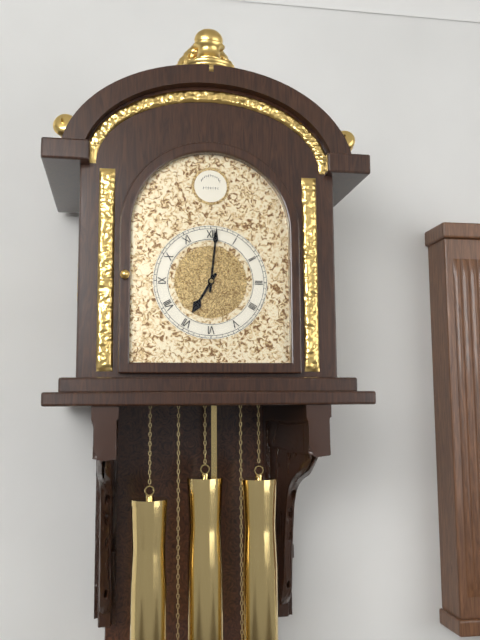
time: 7:01
